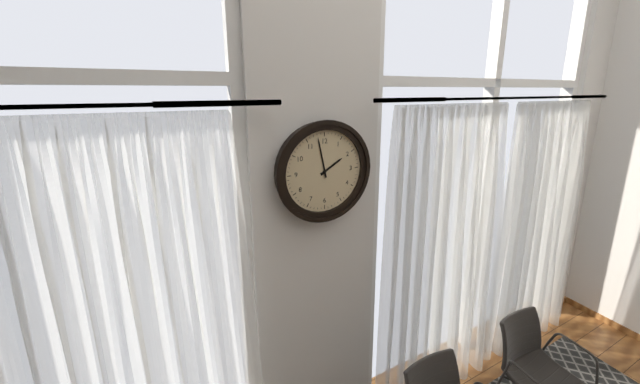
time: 1:58
